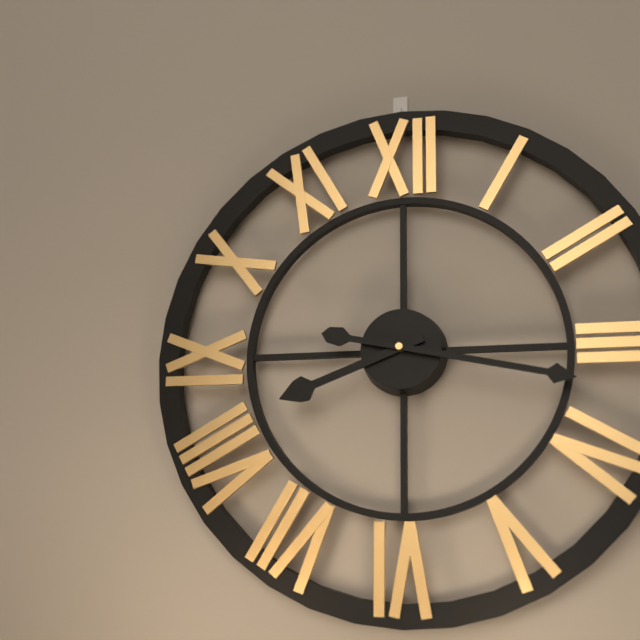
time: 8:17
